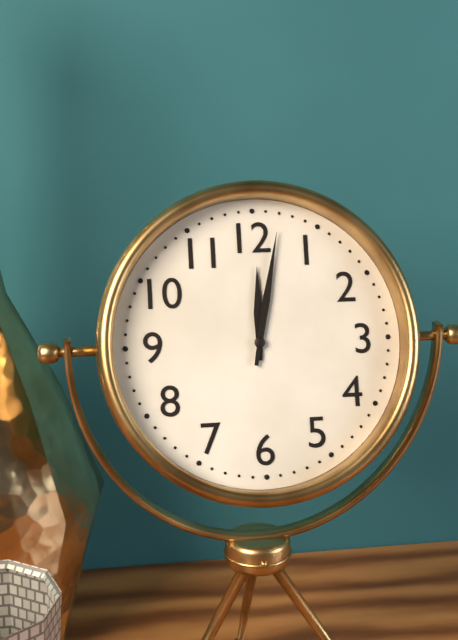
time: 12:02
